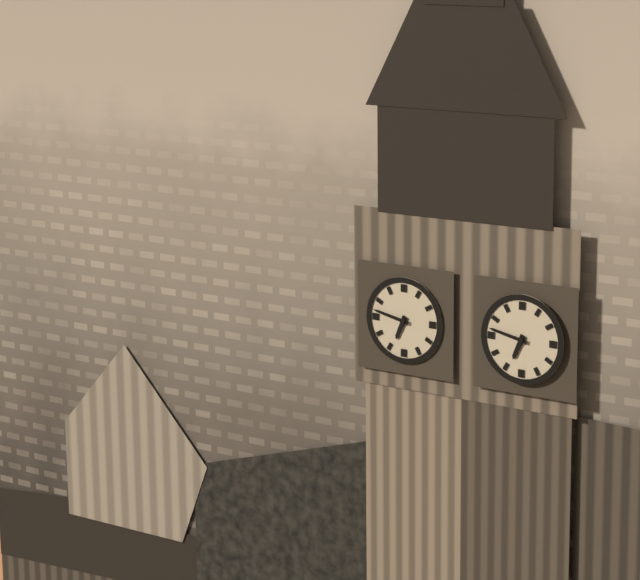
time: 6:47
